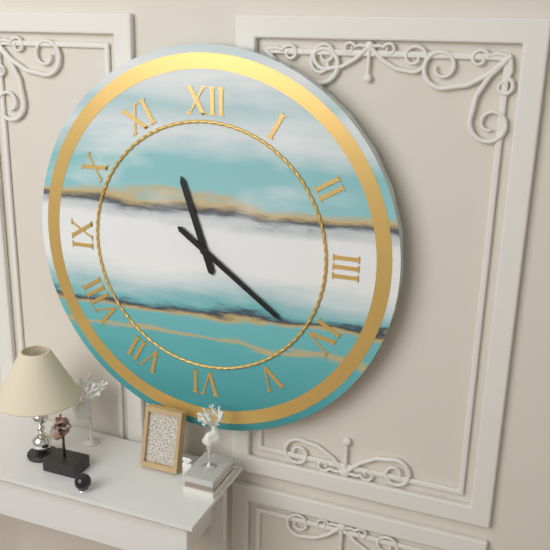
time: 11:21
